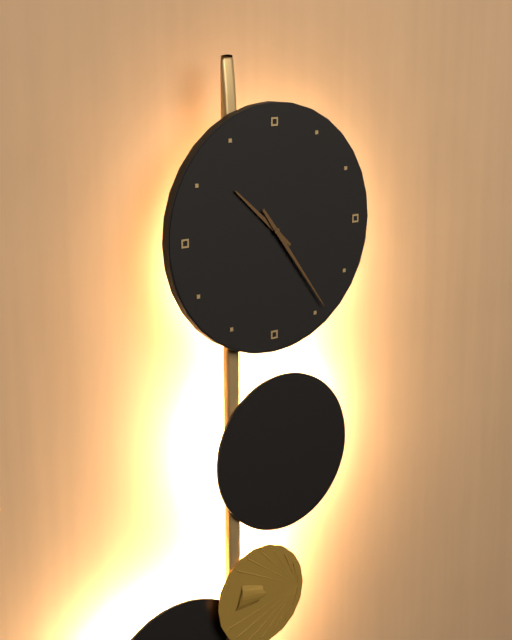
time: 10:24
